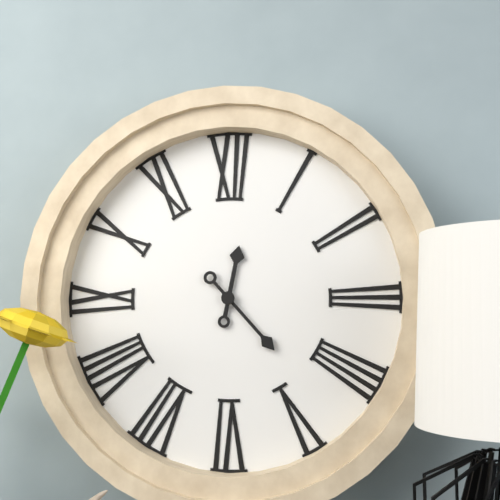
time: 12:23
